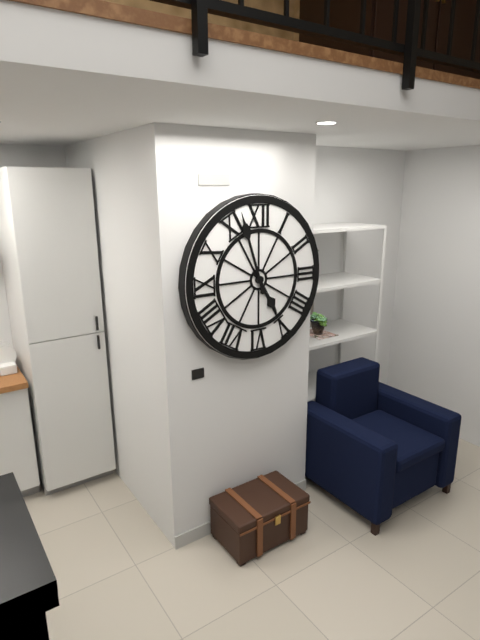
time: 4:57
